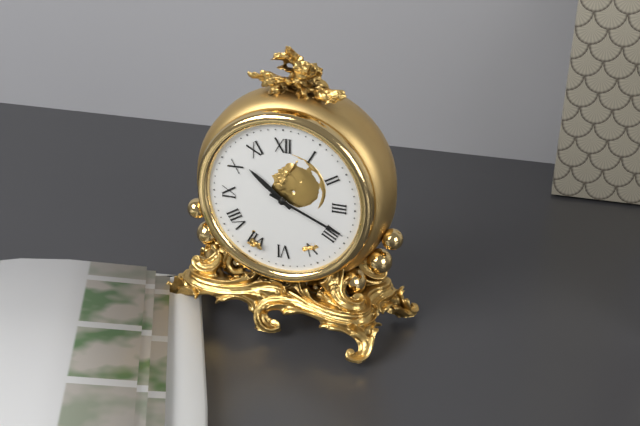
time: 10:19
